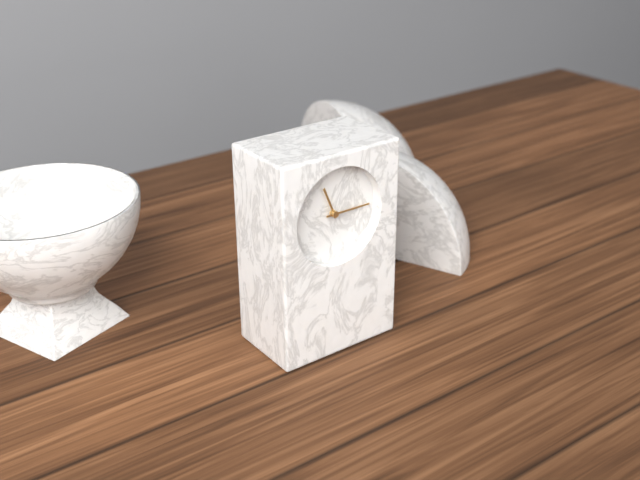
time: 11:15
